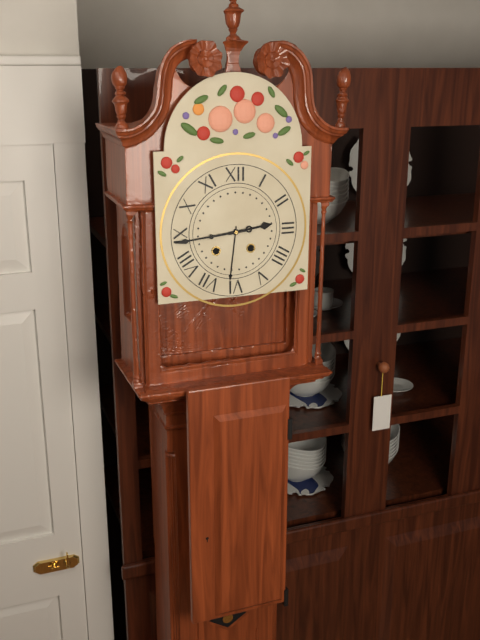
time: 2:44
